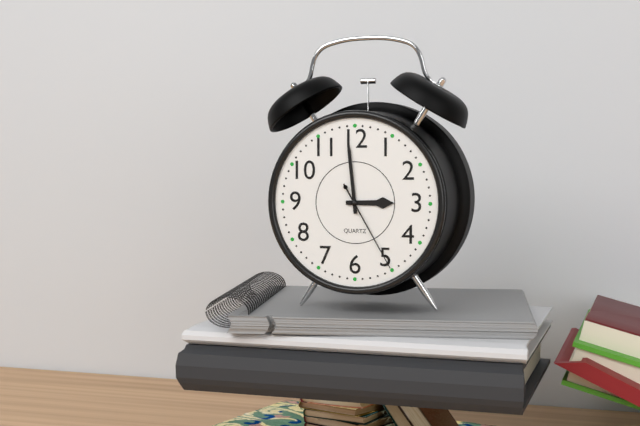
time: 2:59:25
